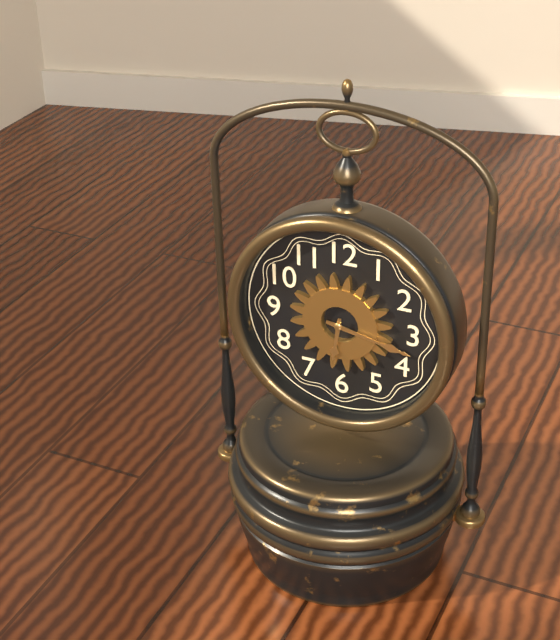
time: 6:17
